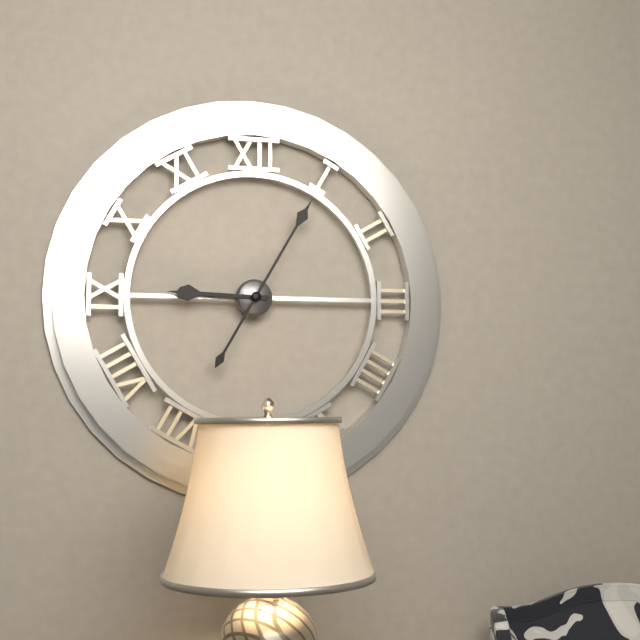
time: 9:05
